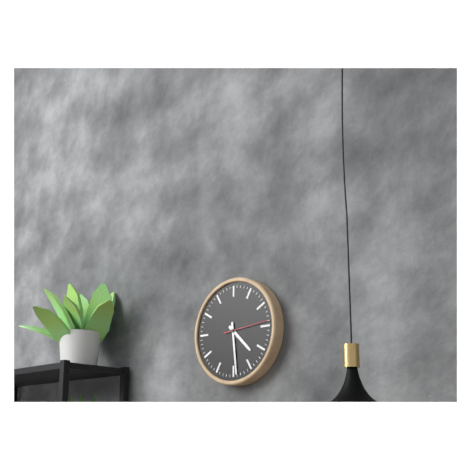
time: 4:29
